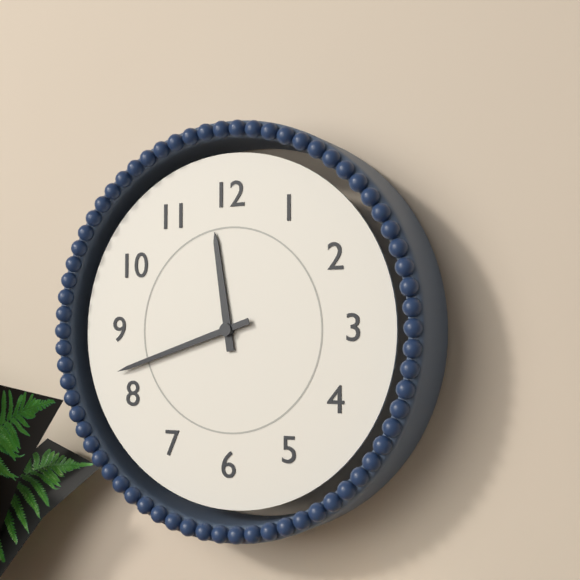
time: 11:42
